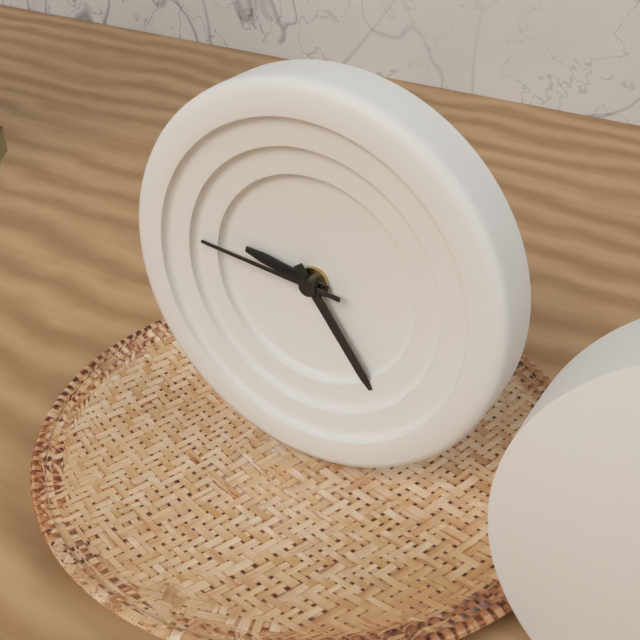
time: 9:24:46
